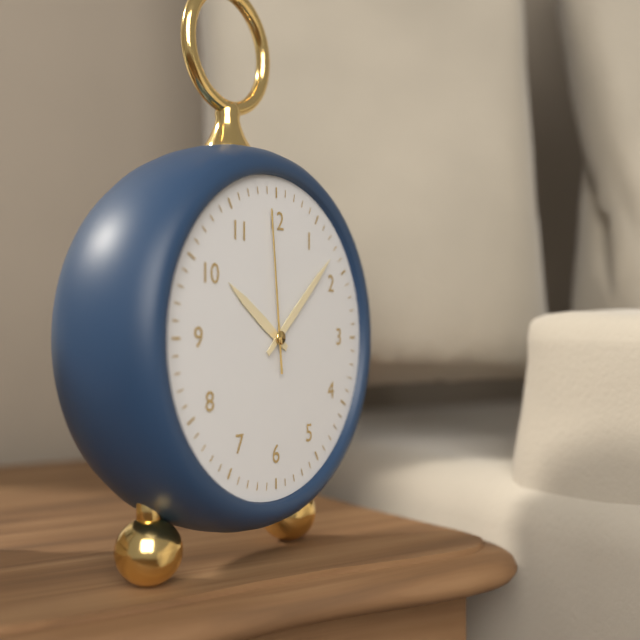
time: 10:08:59
